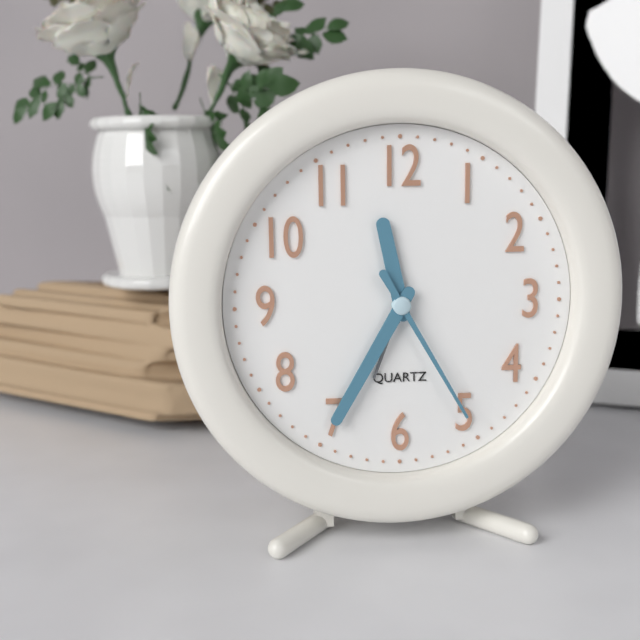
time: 11:35:25
